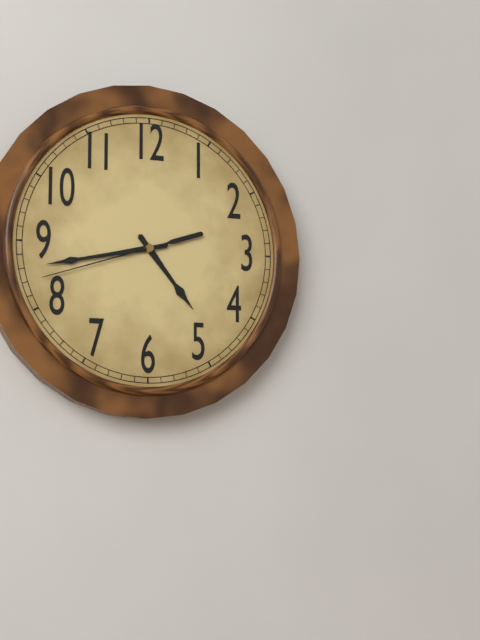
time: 4:43:42
